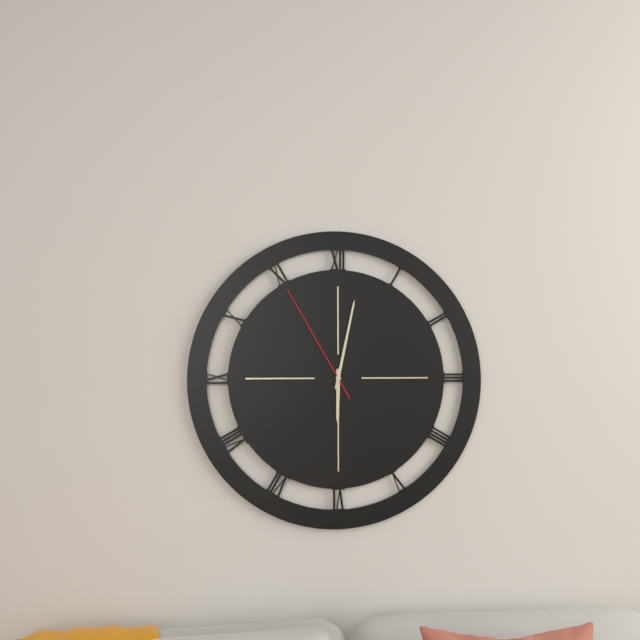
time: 6:02:55
